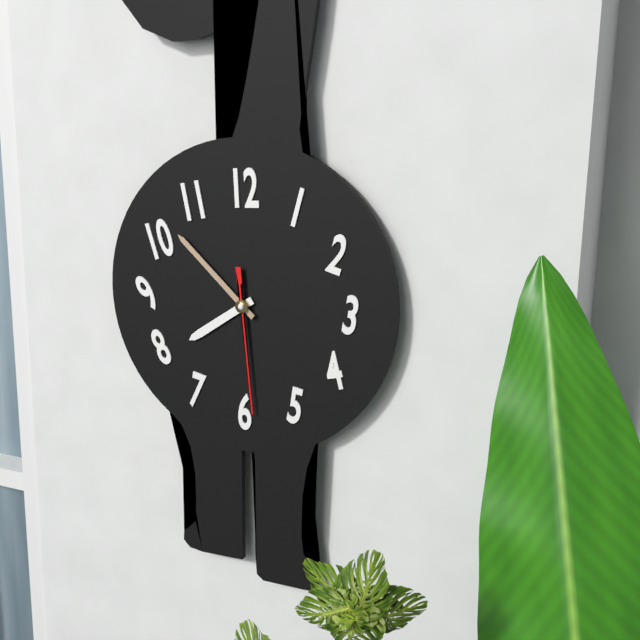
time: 7:52:29
